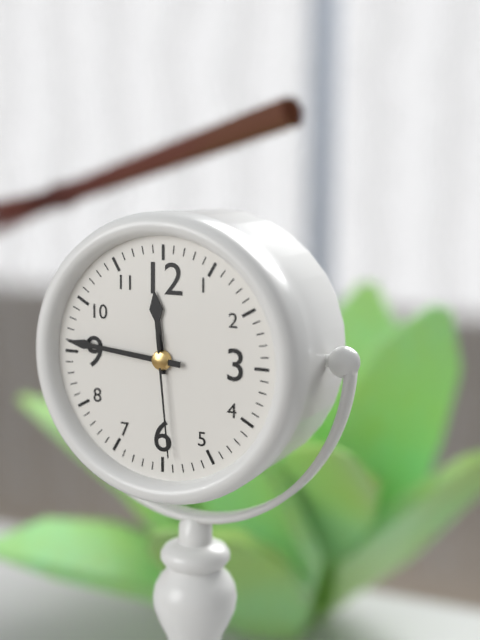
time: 11:46:29
